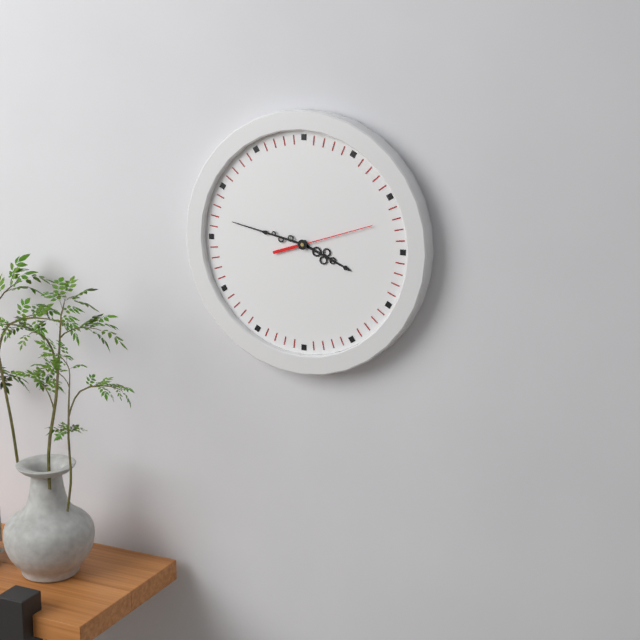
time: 3:47:12
